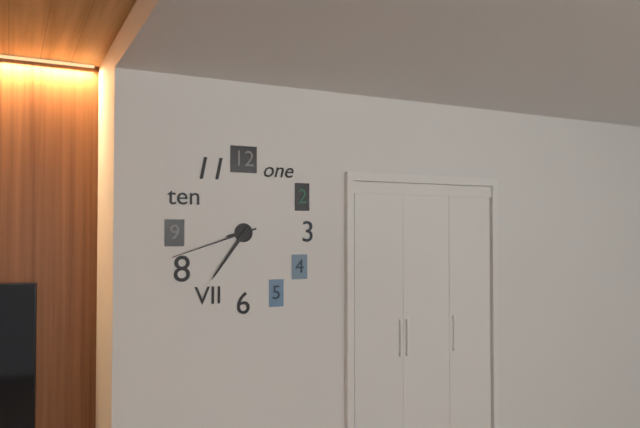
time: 8:36:42
